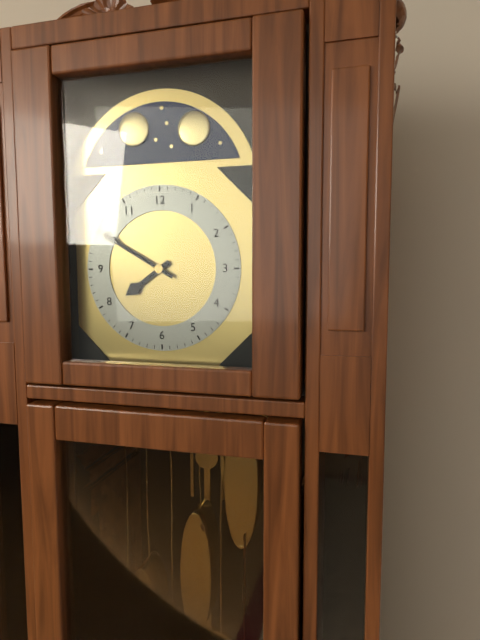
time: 7:50
